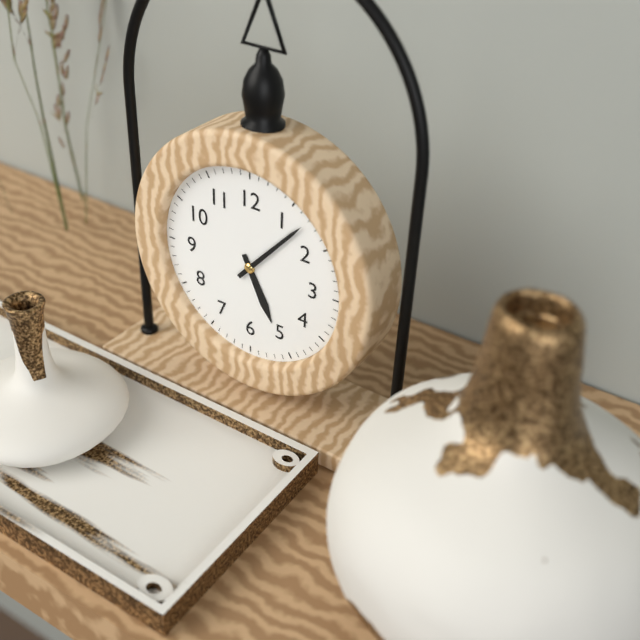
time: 5:07
